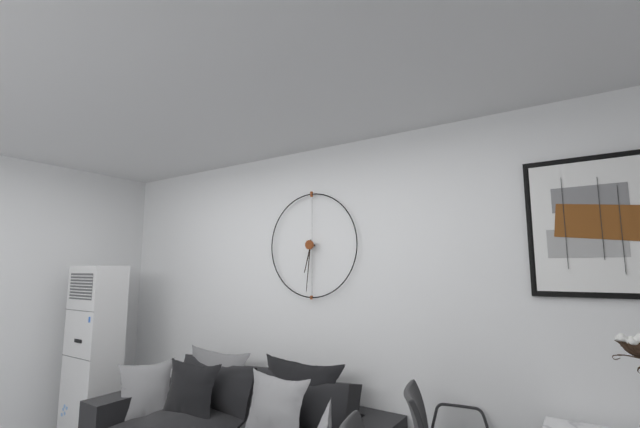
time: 6:31
